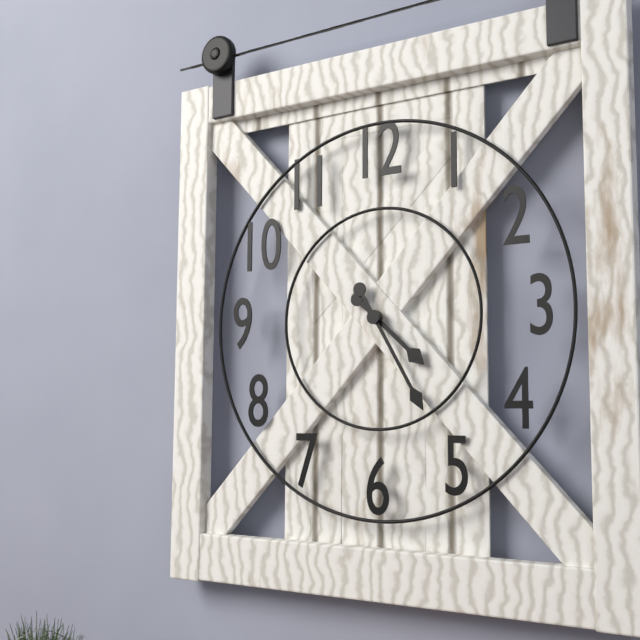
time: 4:25
